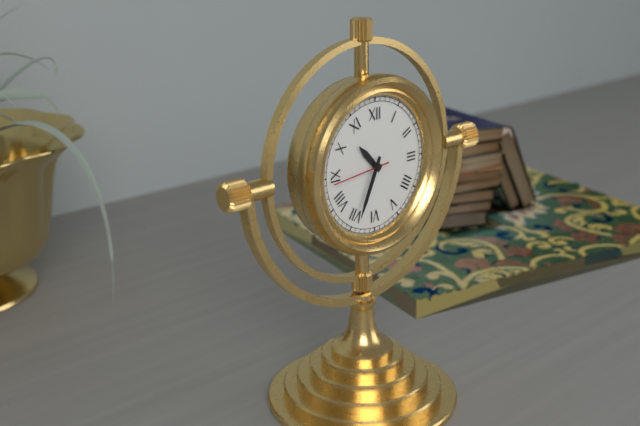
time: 10:34:44
